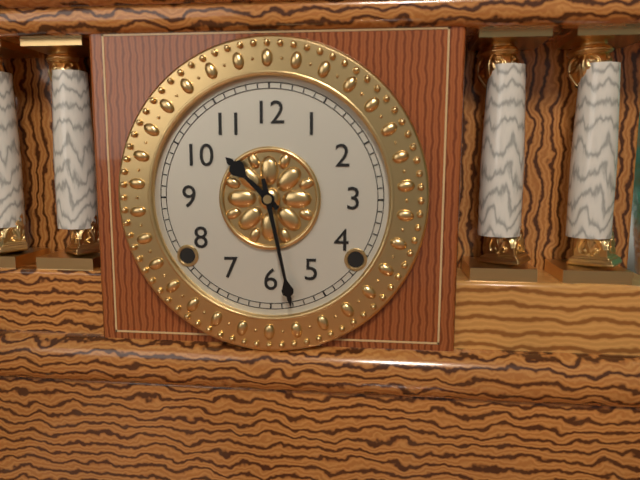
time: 10:28
